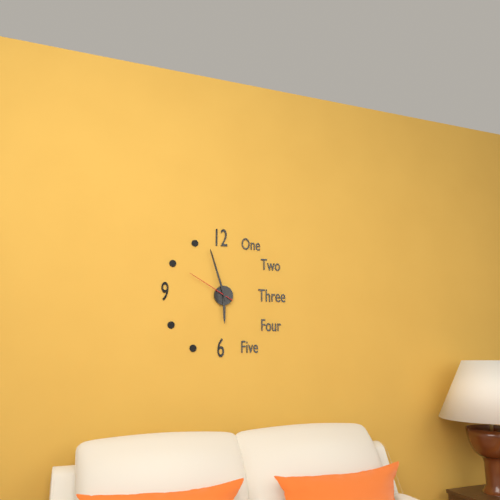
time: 5:57:50
